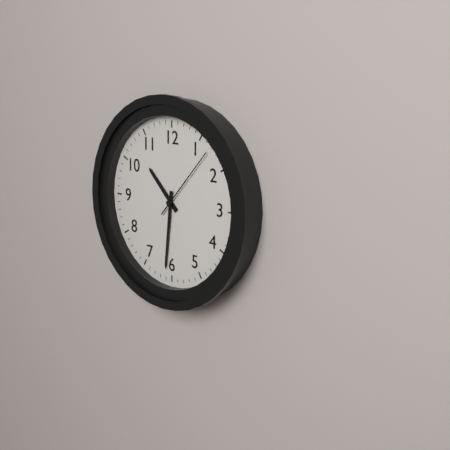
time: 10:31:07
